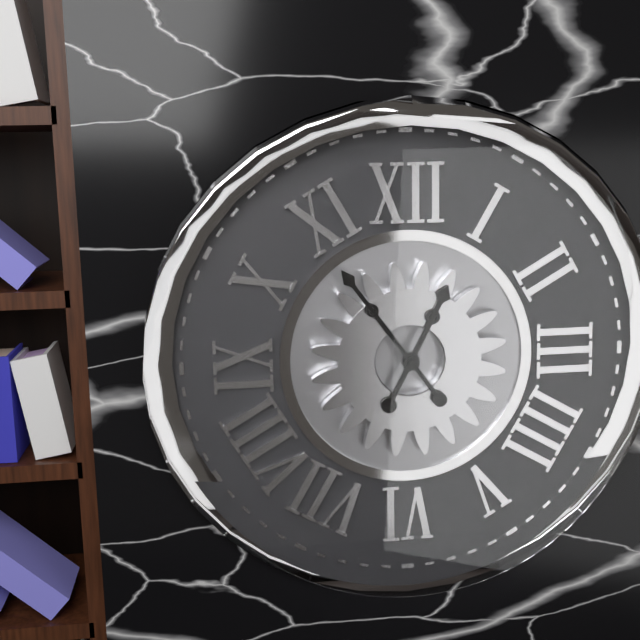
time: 12:54
